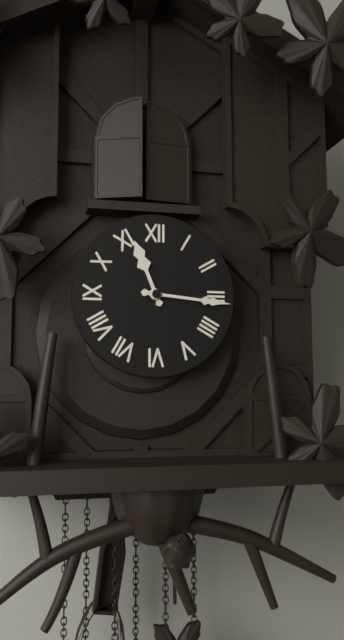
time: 11:16
